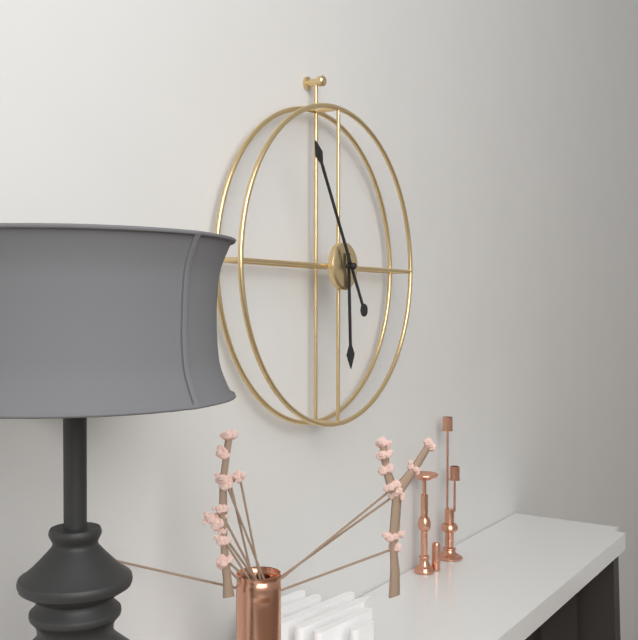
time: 5:55
